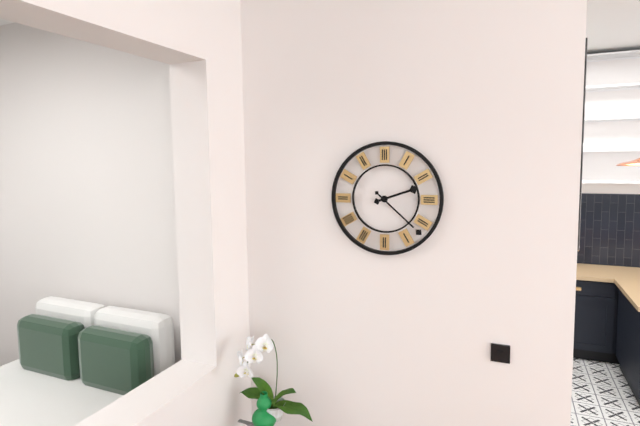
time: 2:22
